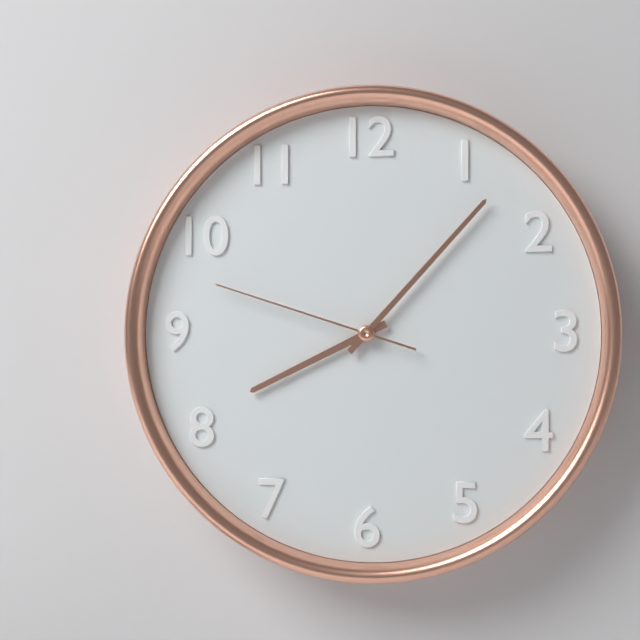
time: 8:07:48
